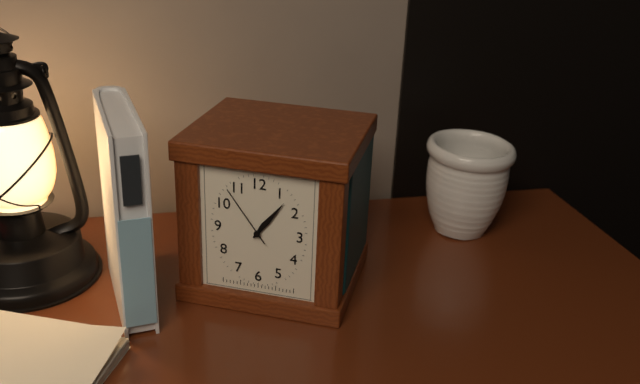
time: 1:06:54
